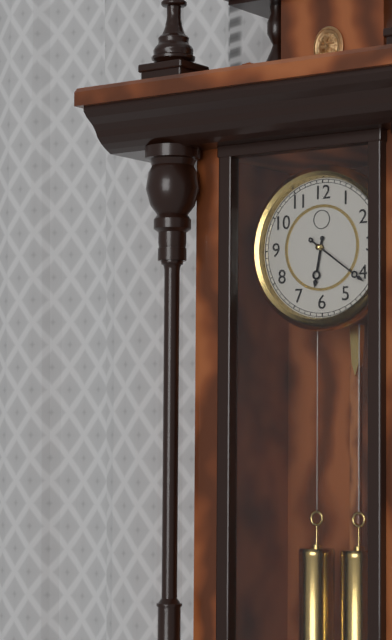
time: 6:21
